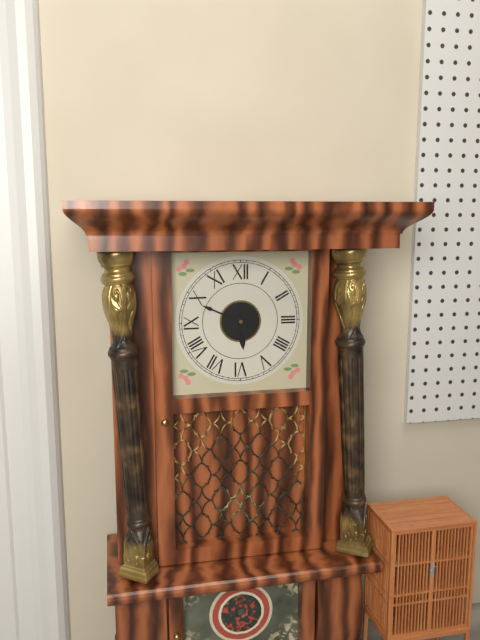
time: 5:49
